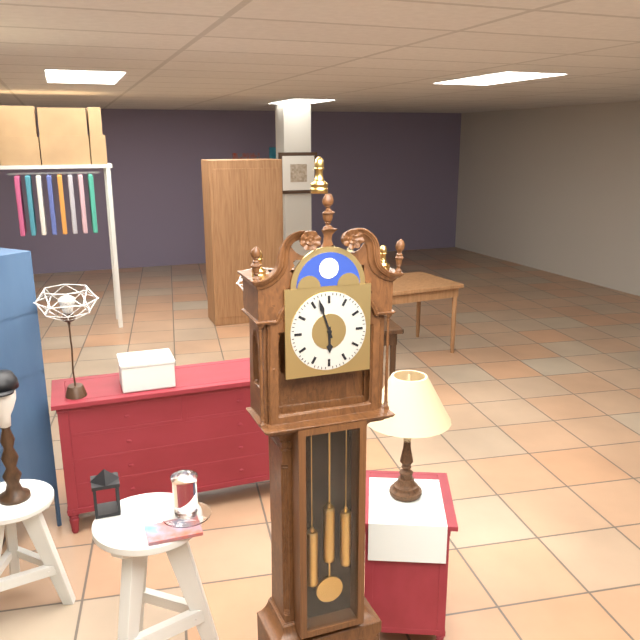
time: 5:57
